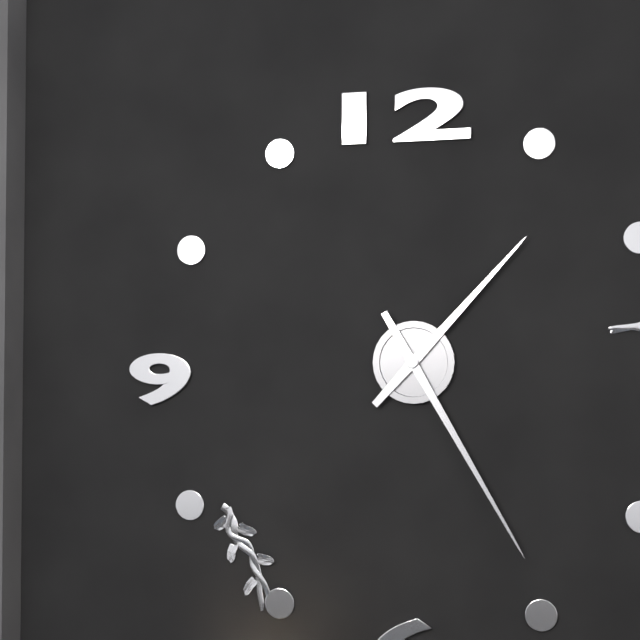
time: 1:25
